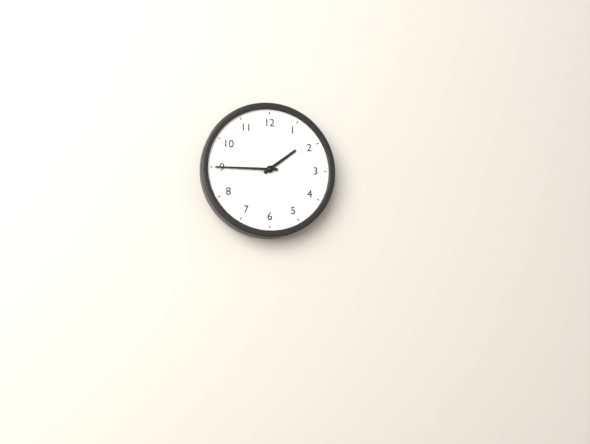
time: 1:45
